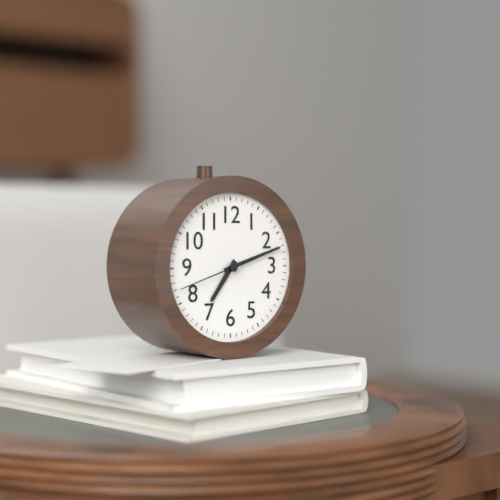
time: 7:12:42
